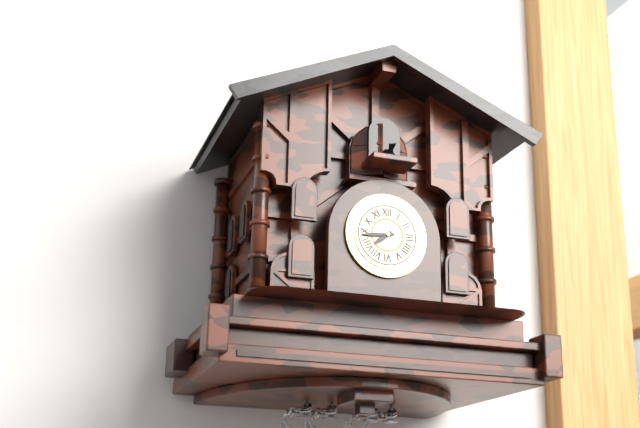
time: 7:44
